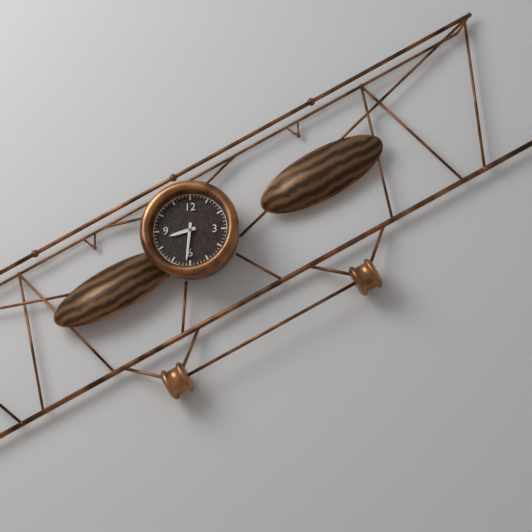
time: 8:31
